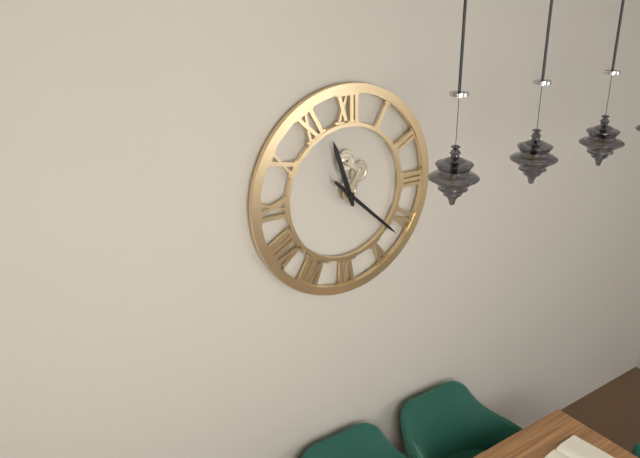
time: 11:22
